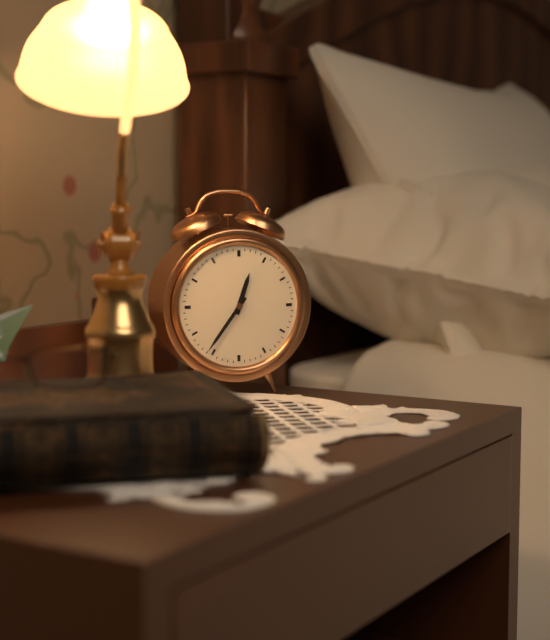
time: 12:36
